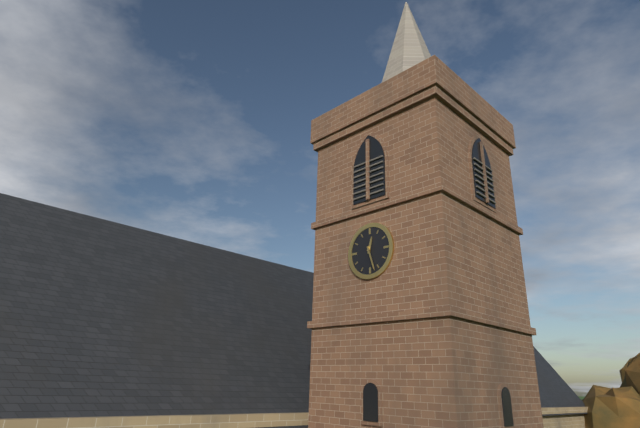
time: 12:27
